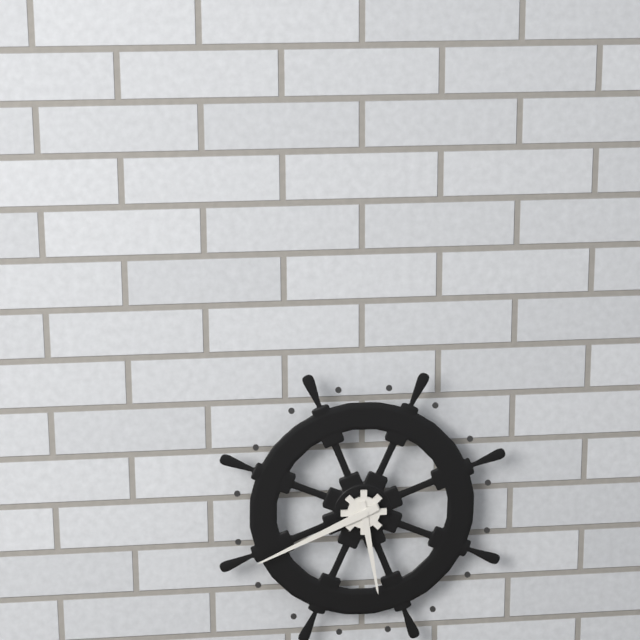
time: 5:41
